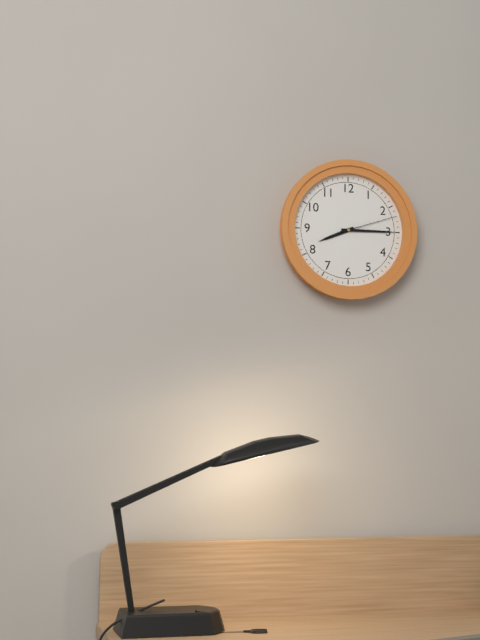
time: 8:15:12
